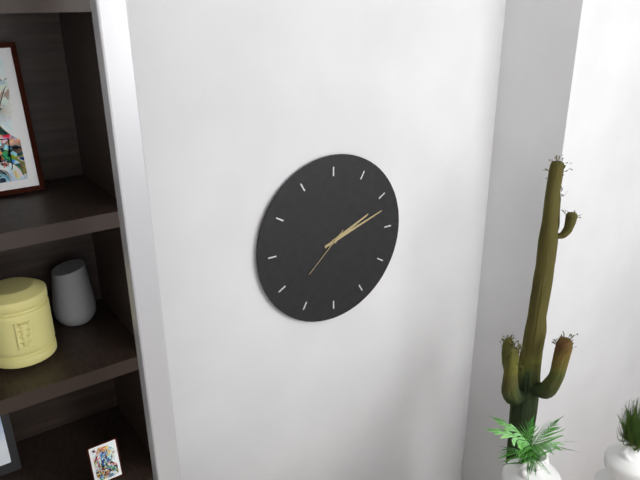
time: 2:12:38
